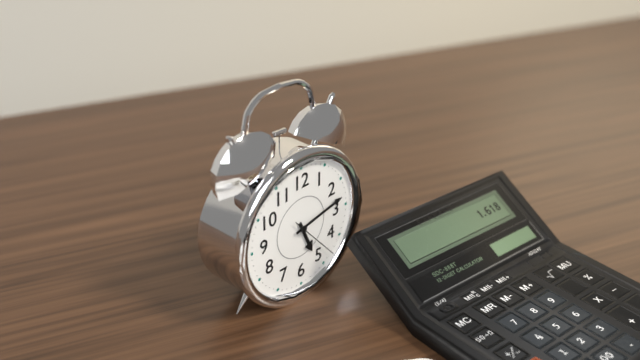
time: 5:13
